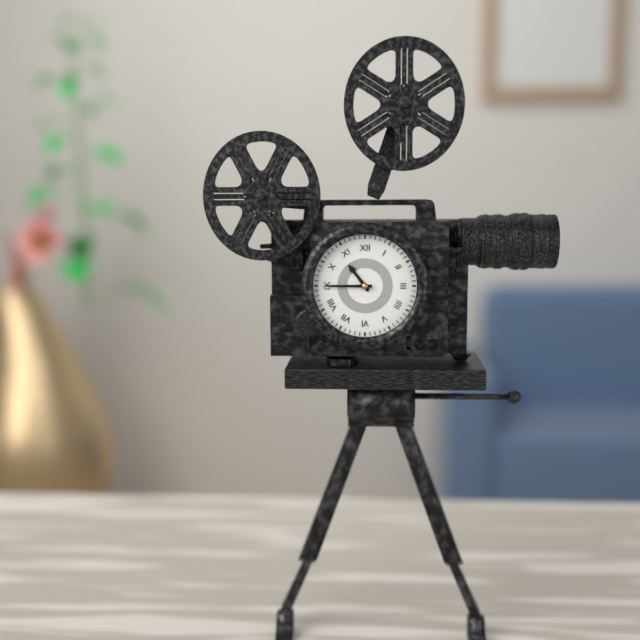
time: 10:45
